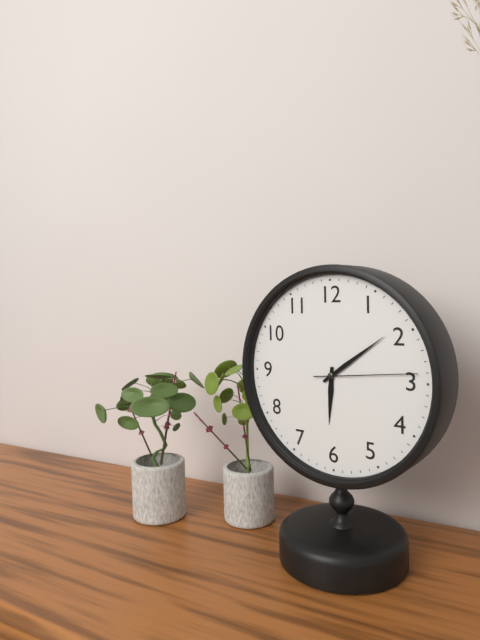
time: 6:09:14
